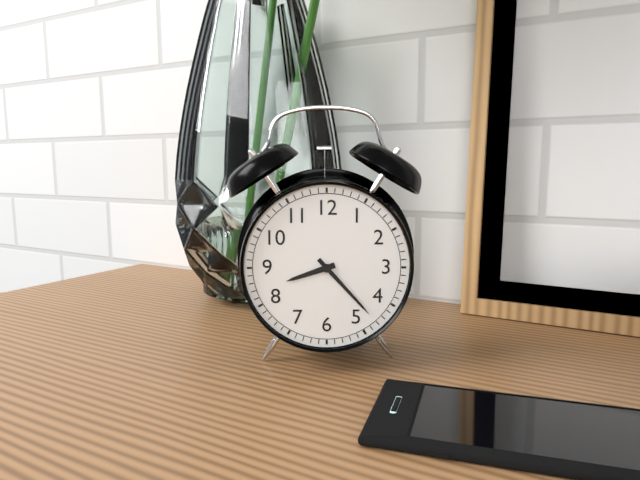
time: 8:23
